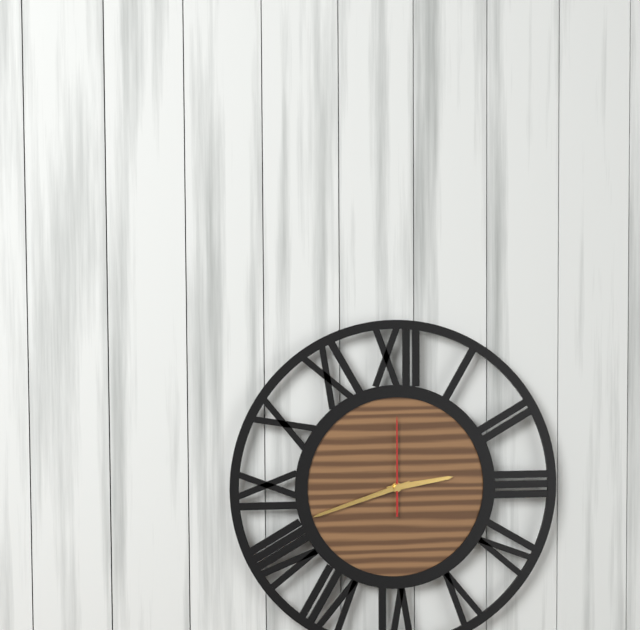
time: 2:42:00
